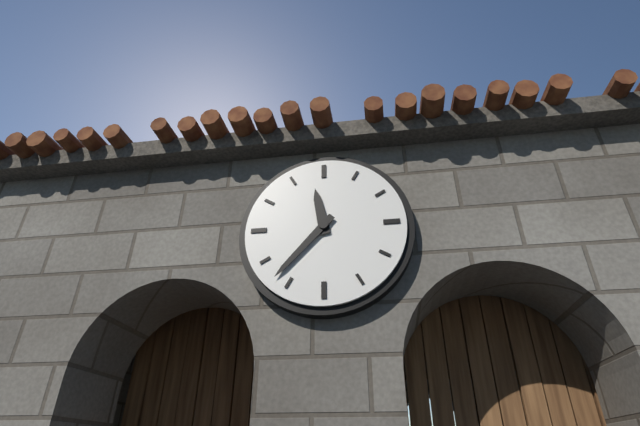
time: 11:37
